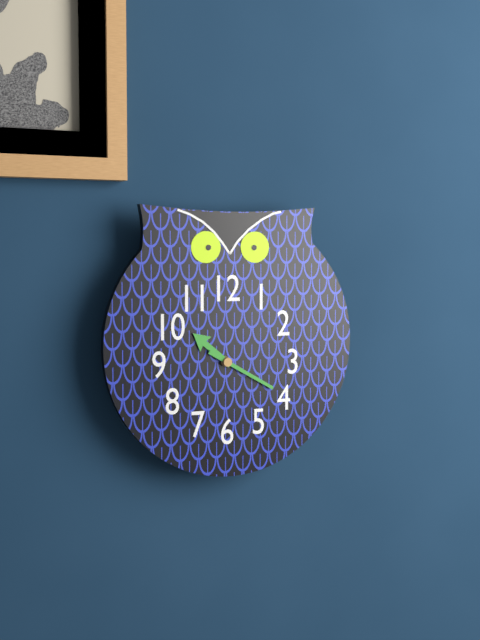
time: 10:20
